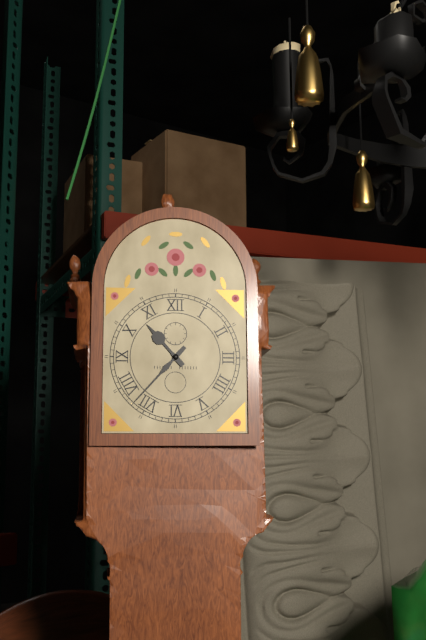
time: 10:37
